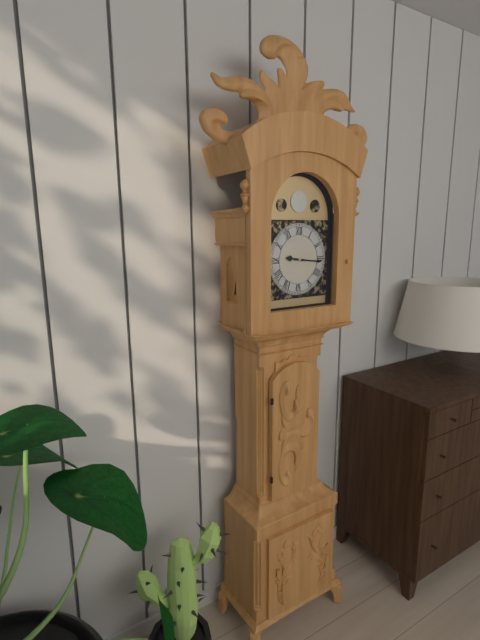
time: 9:16
